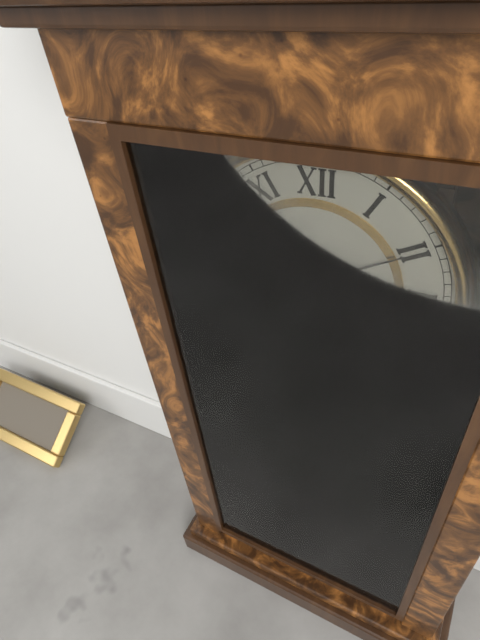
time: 4:10
